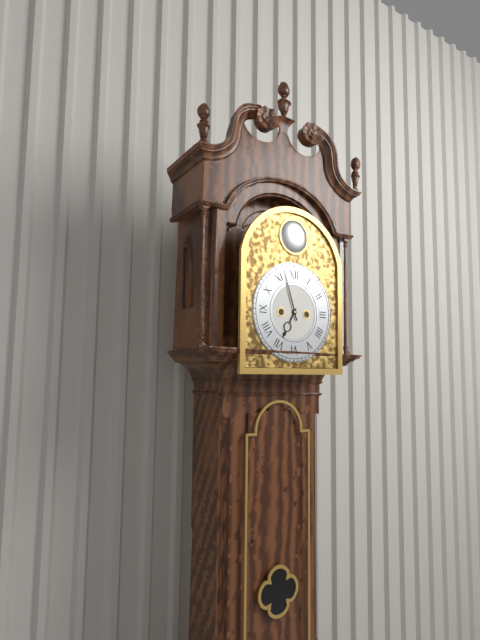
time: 6:57
